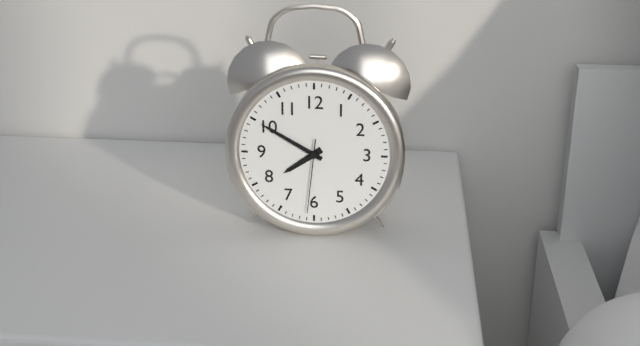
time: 7:50:31
